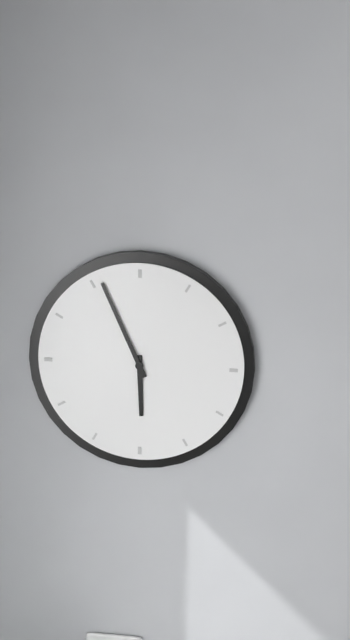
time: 5:56
